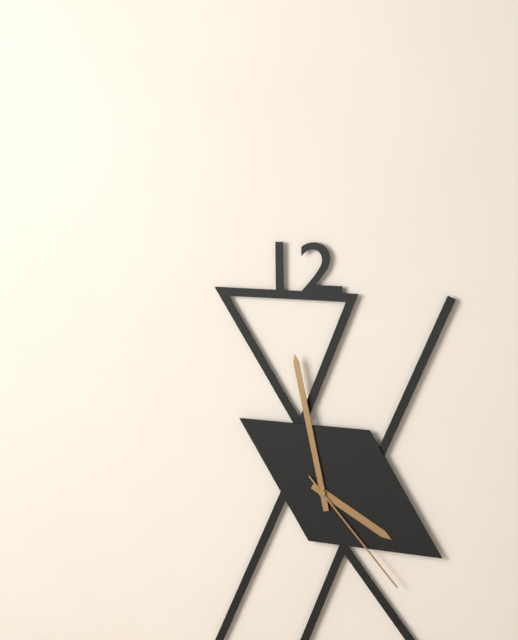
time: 3:58:23
